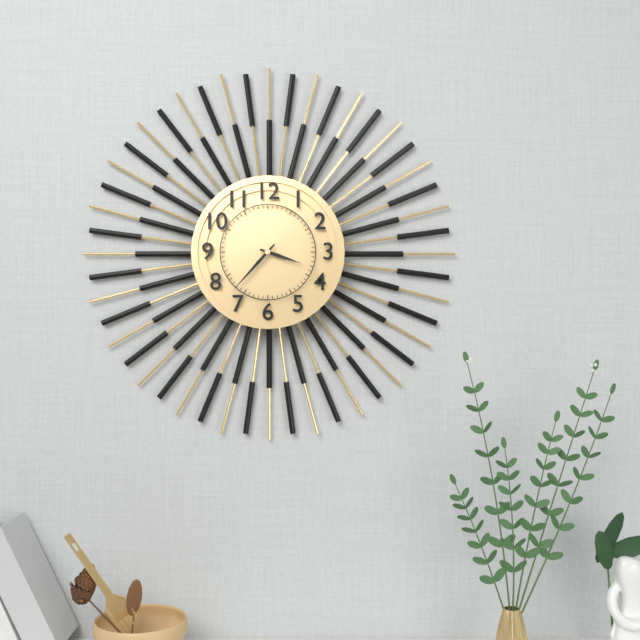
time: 3:37
